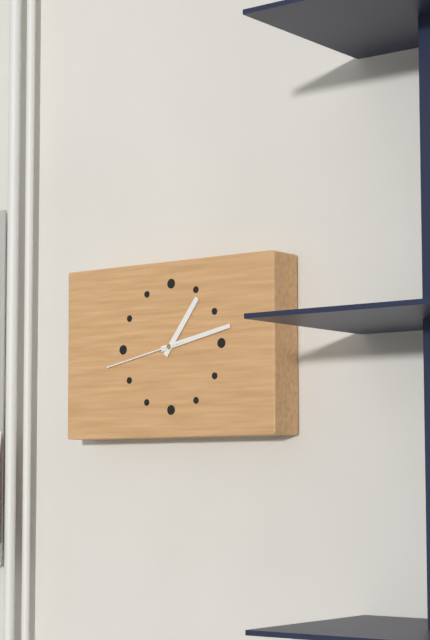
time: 1:13:43
